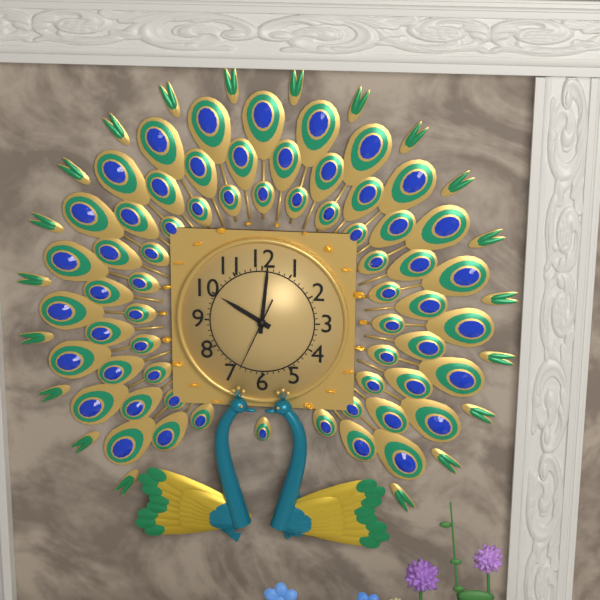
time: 10:01:34
